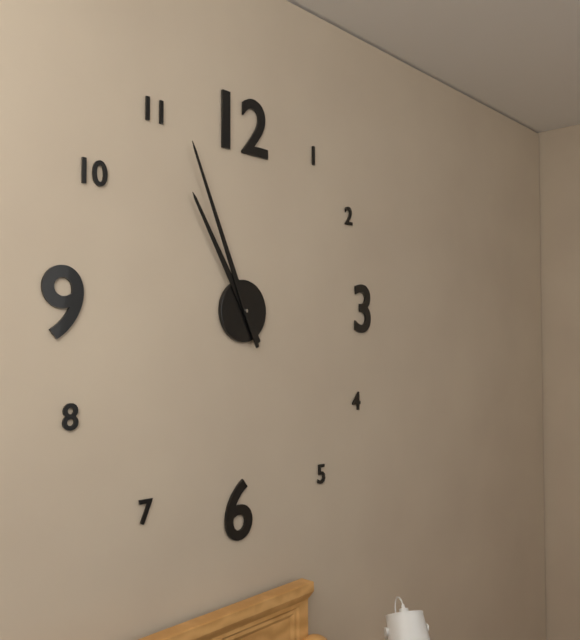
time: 10:56
